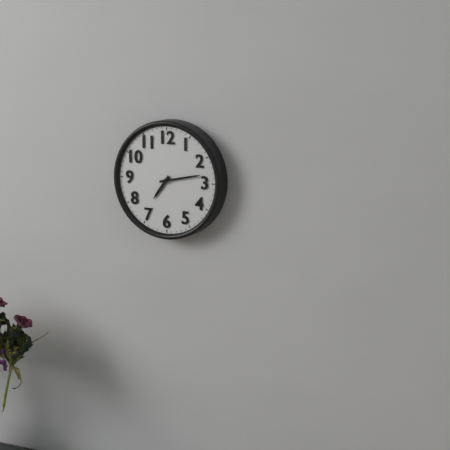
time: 7:13
